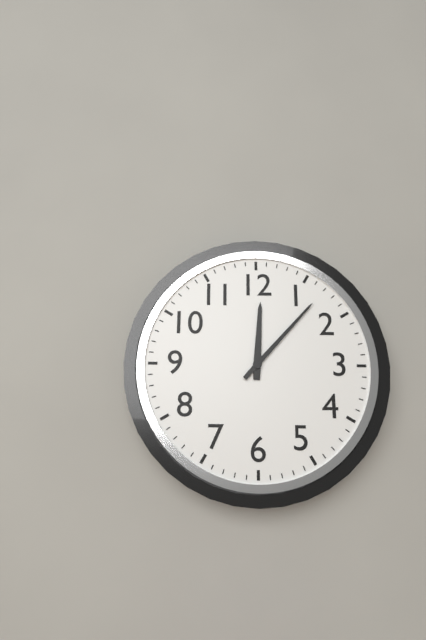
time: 12:07
